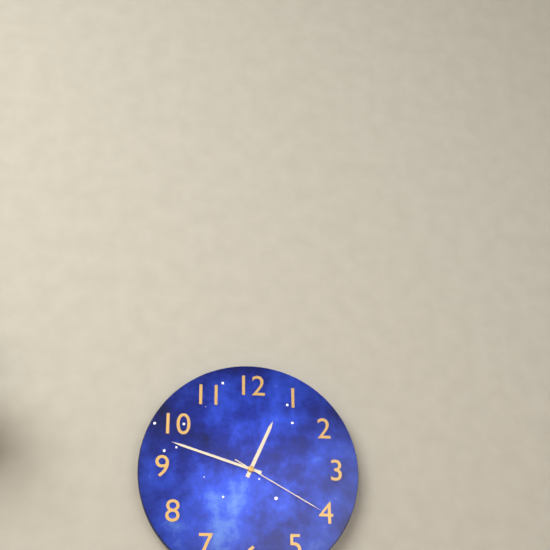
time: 12:48:20
